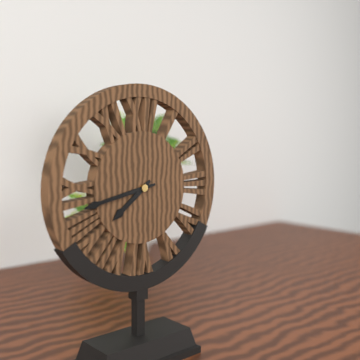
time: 7:43
